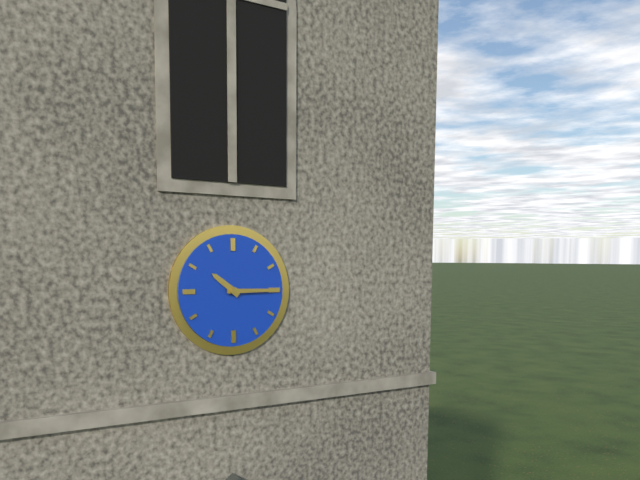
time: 10:15
